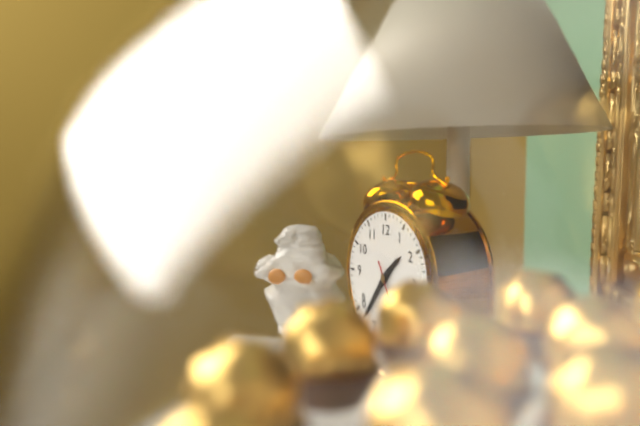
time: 1:38
